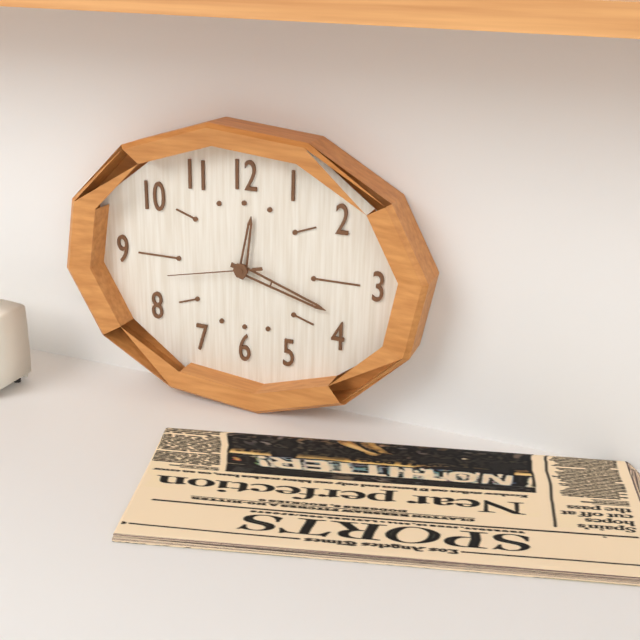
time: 12:18:43
